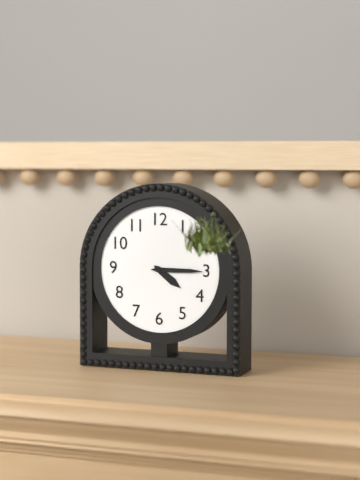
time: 4:15
